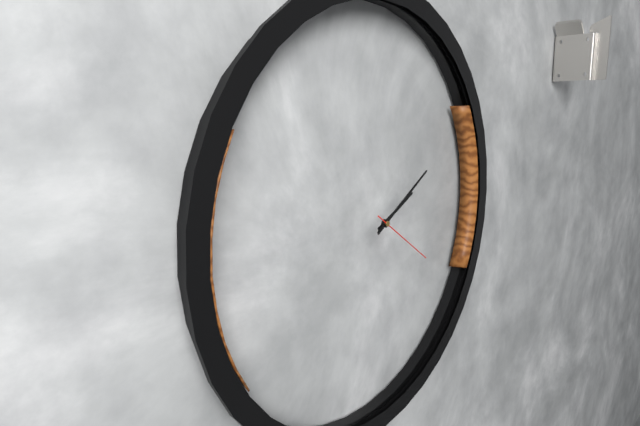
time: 2:10:21
